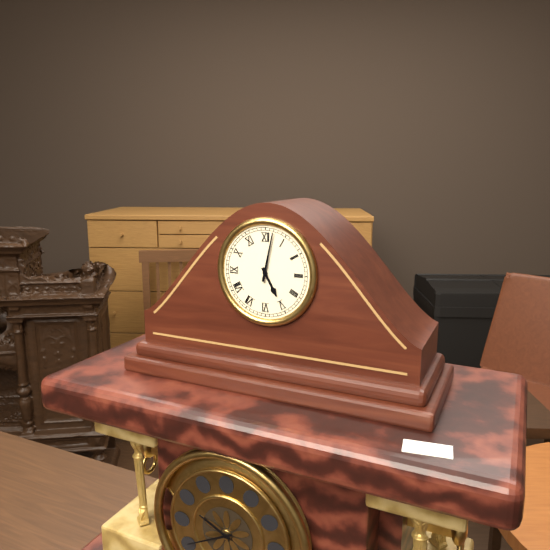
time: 5:02
